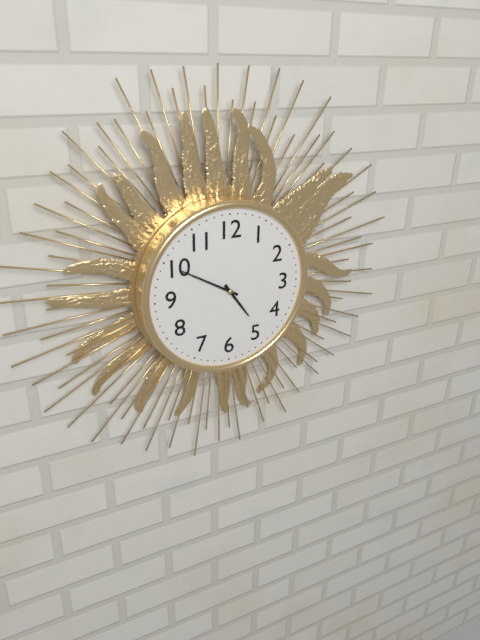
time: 4:50
